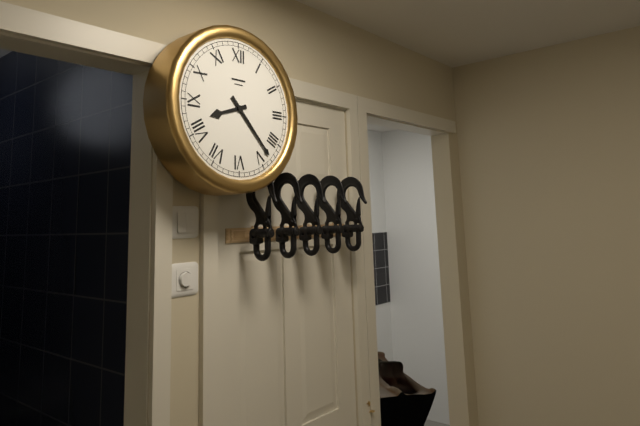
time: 8:23
